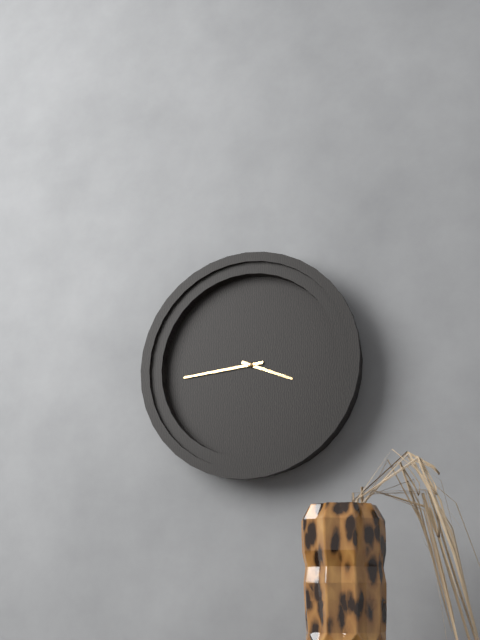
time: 3:44
